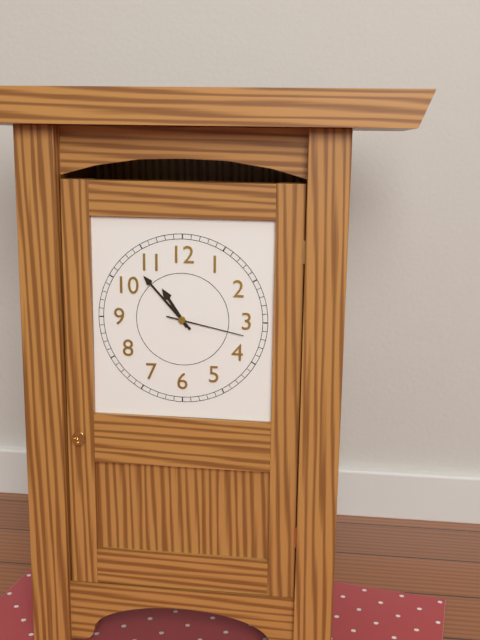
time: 10:53:17
